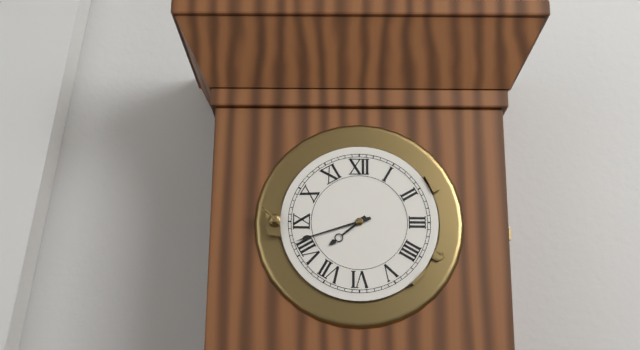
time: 7:42
